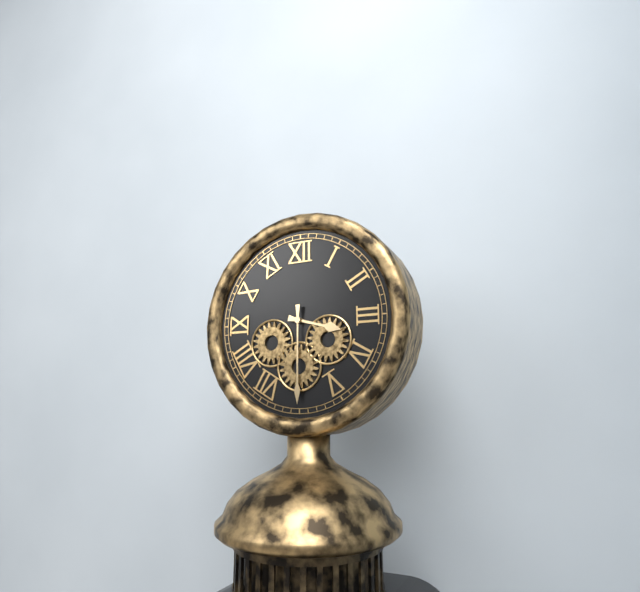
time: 3:30
